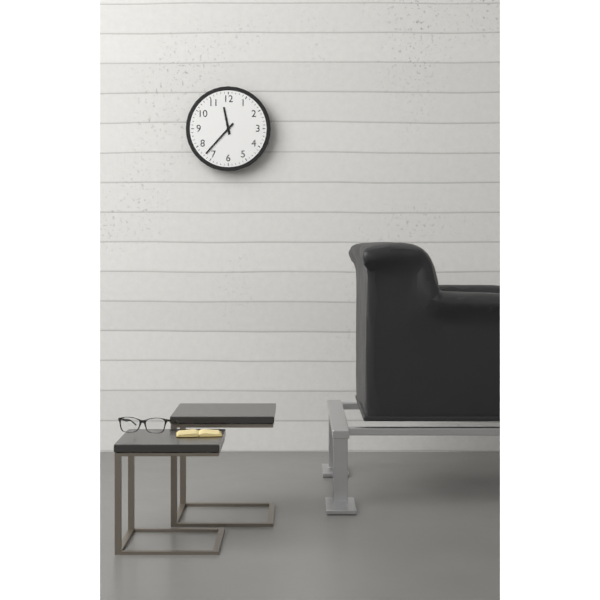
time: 11:37
